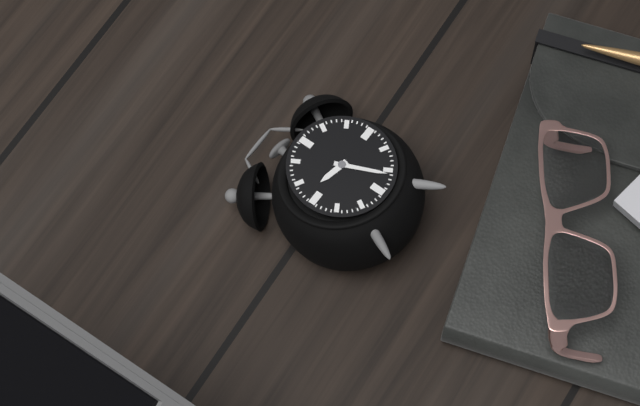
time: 9:26
